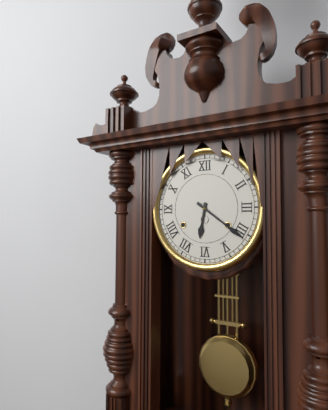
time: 6:21
